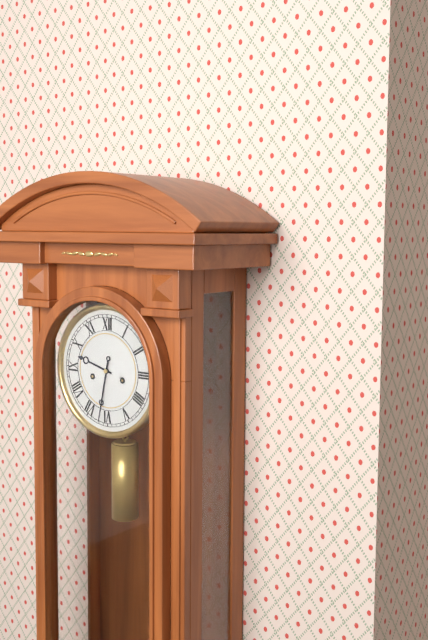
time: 9:32
